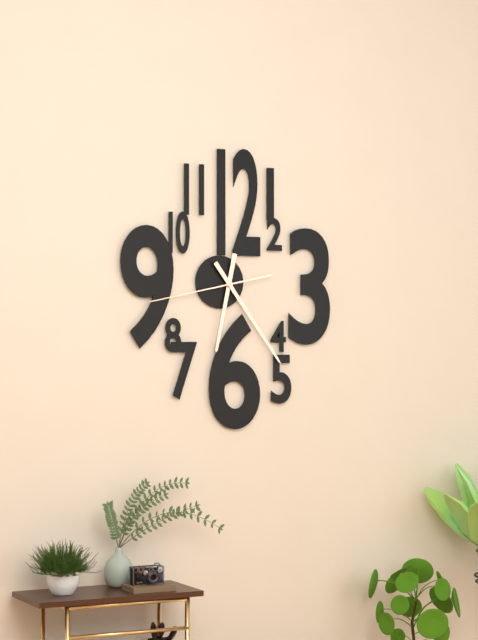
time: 6:24:43
